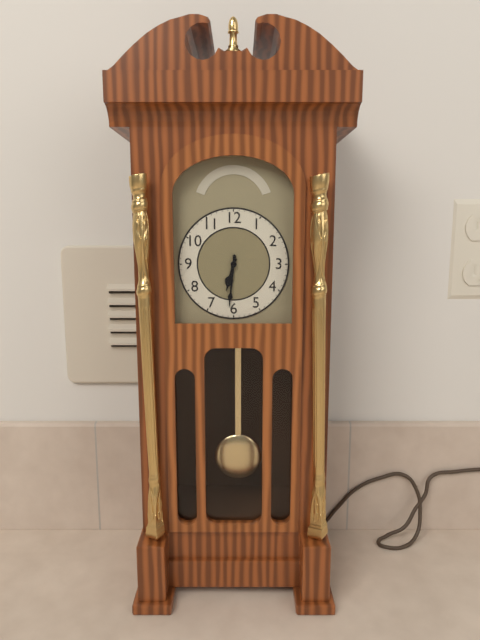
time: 6:31
